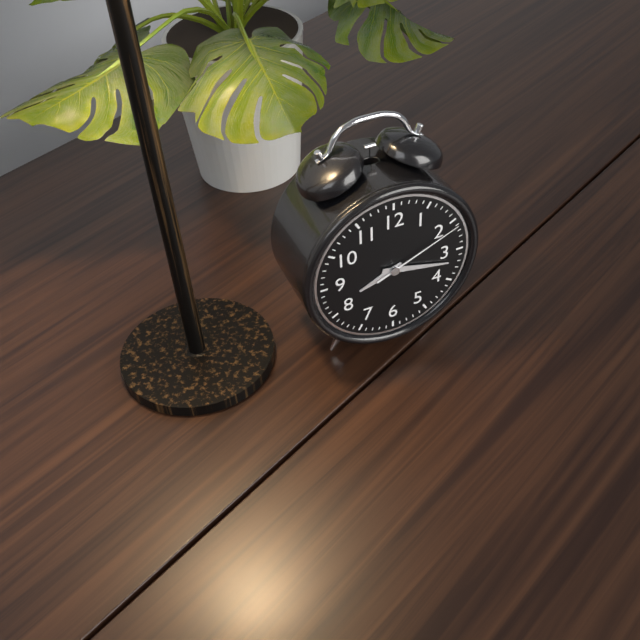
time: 8:17:11
